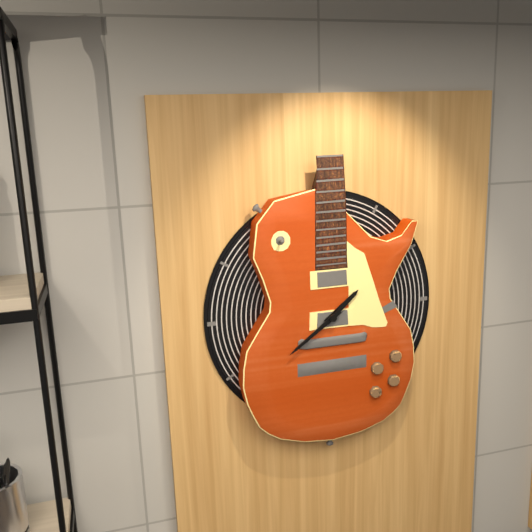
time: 1:39
